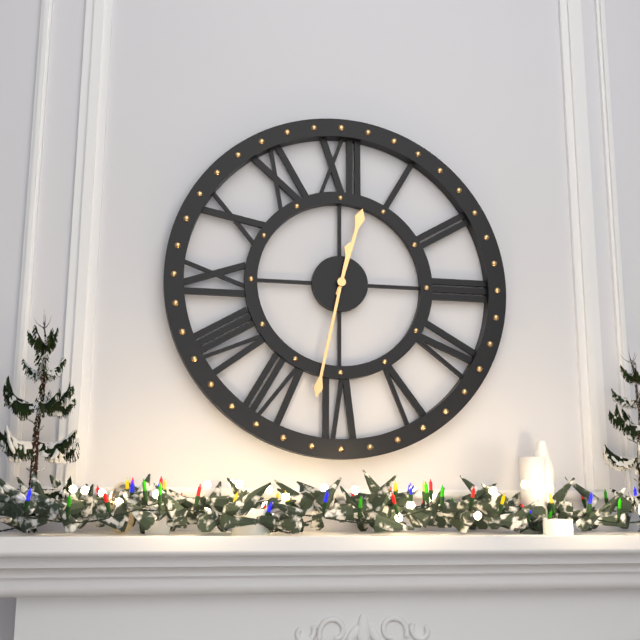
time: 12:32
